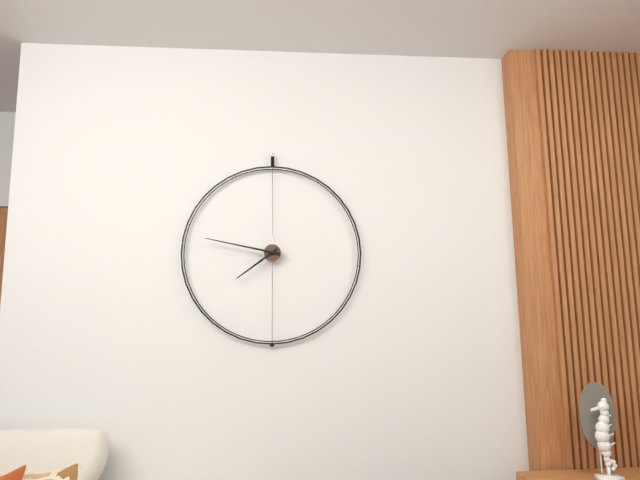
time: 7:47
